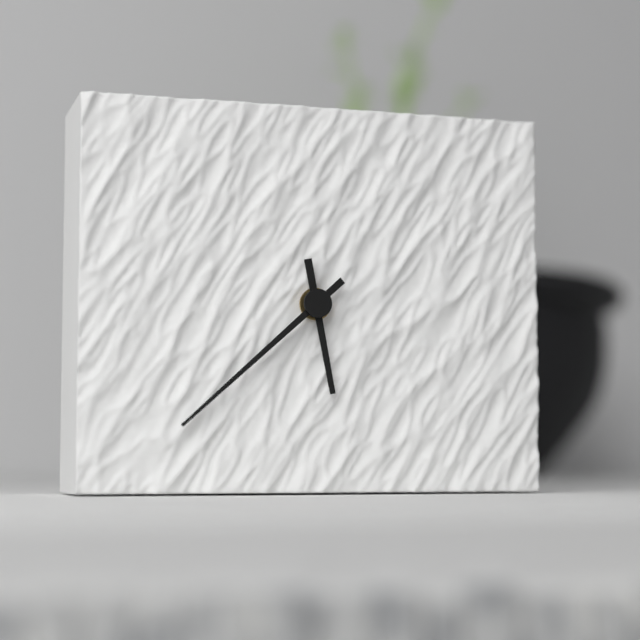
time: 5:38
